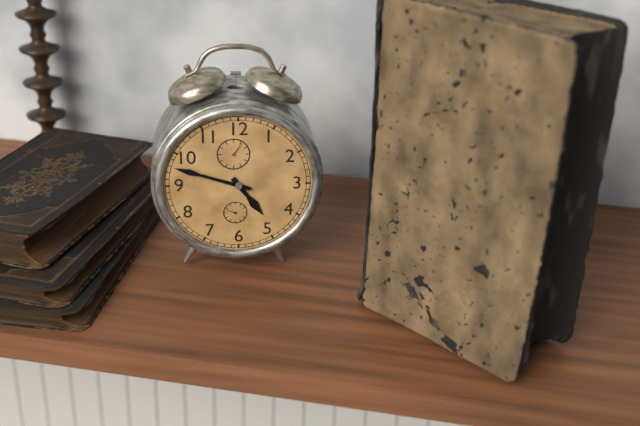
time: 4:48
